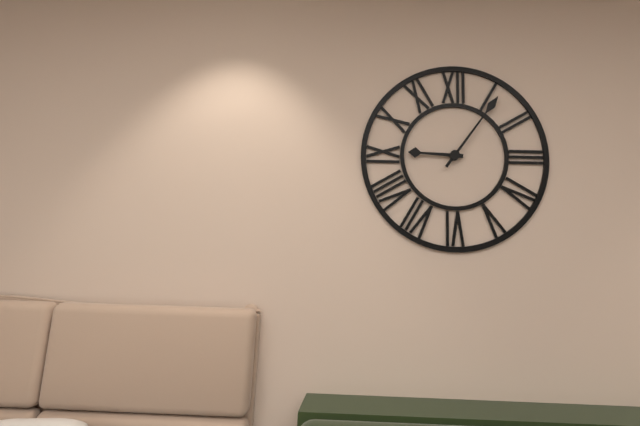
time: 9:06
